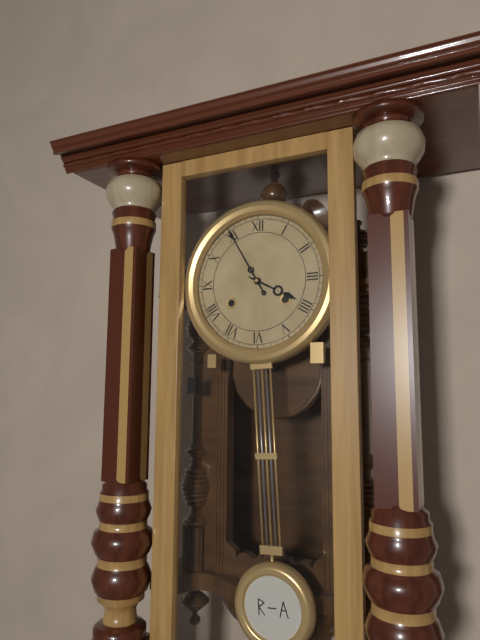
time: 3:55
